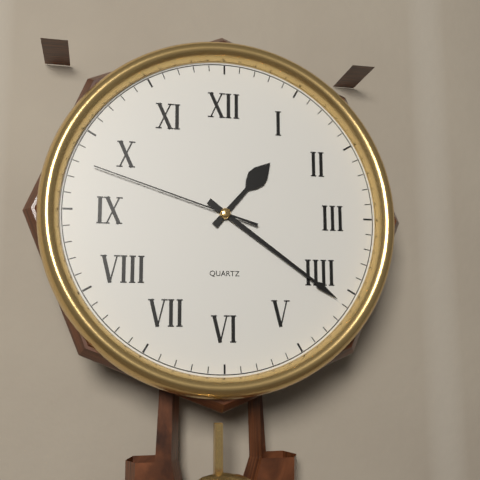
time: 1:21:48
